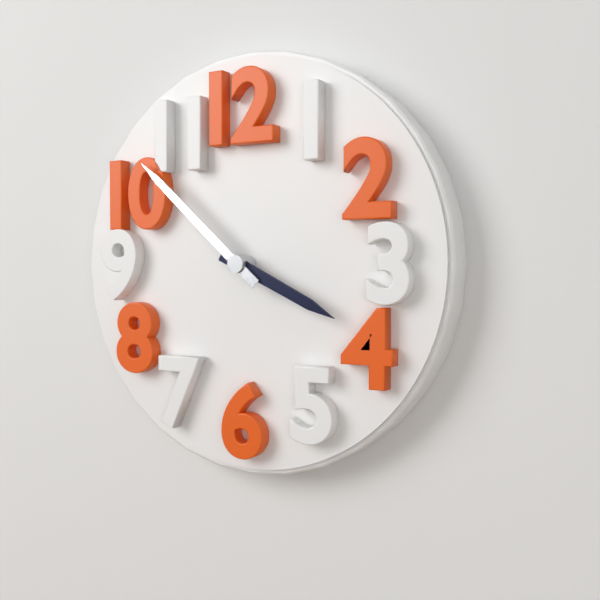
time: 3:52
